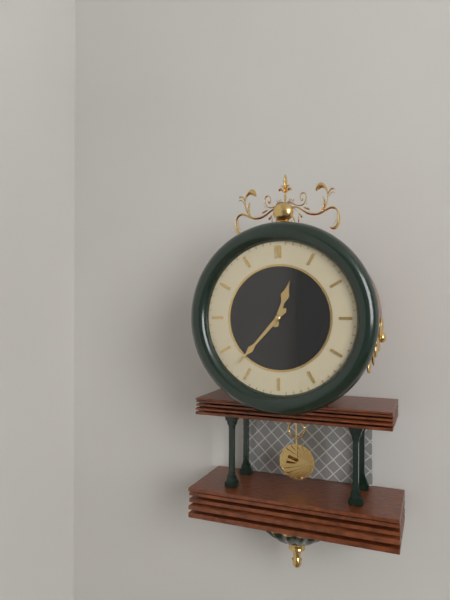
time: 12:37
